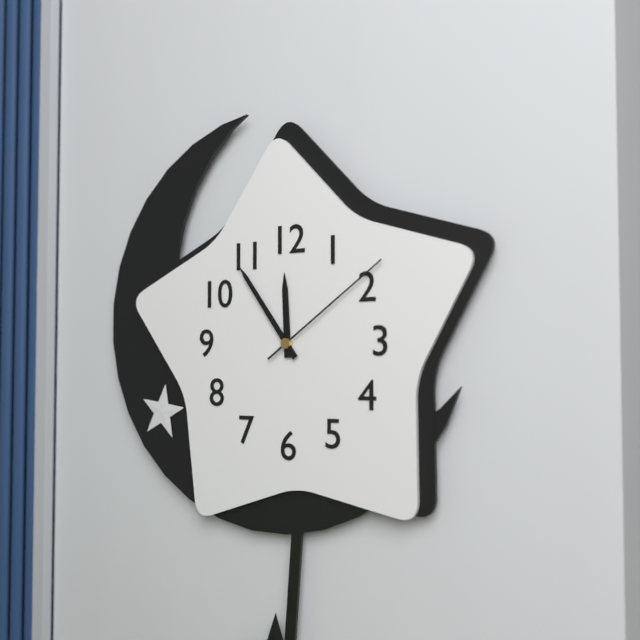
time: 11:54:09
